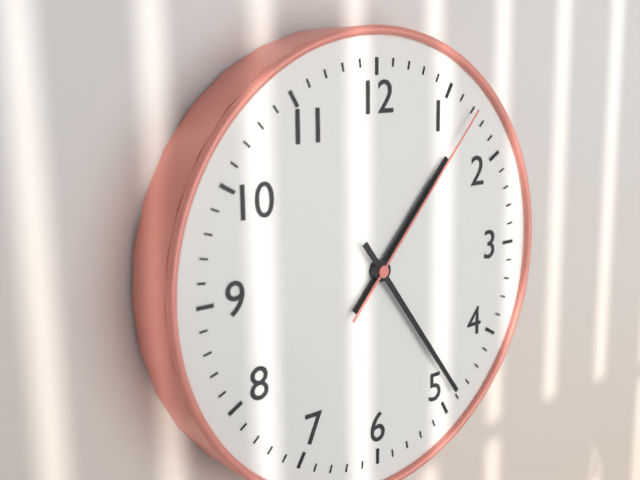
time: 1:24:07
